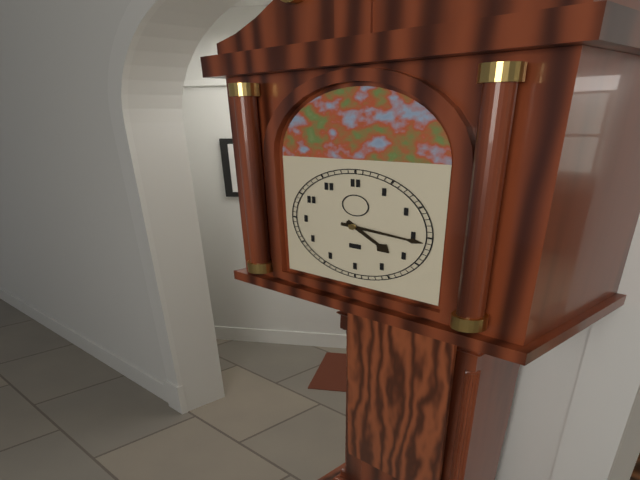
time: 4:16
